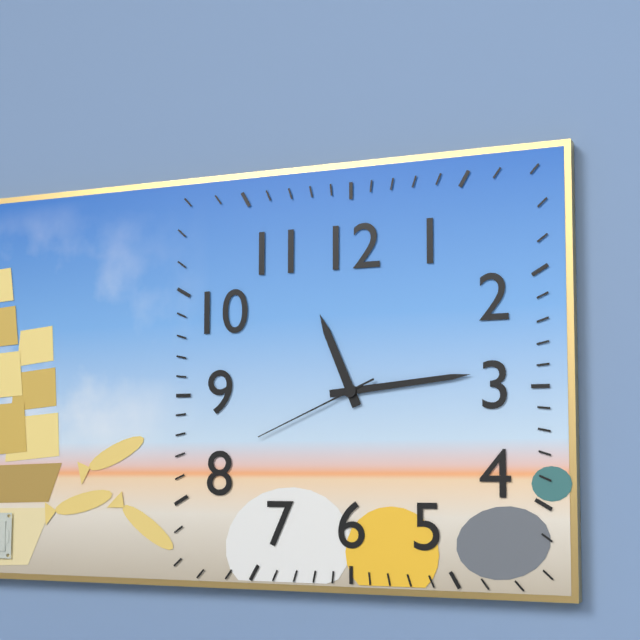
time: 11:14:41
